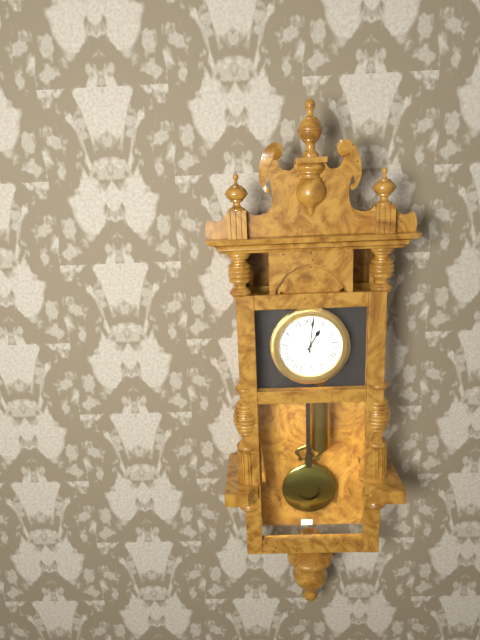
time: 1:01
